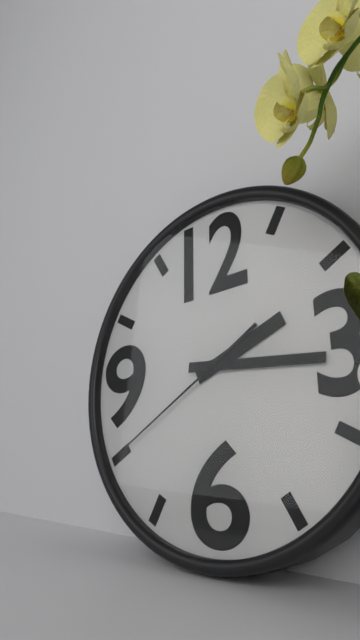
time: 2:16:40
